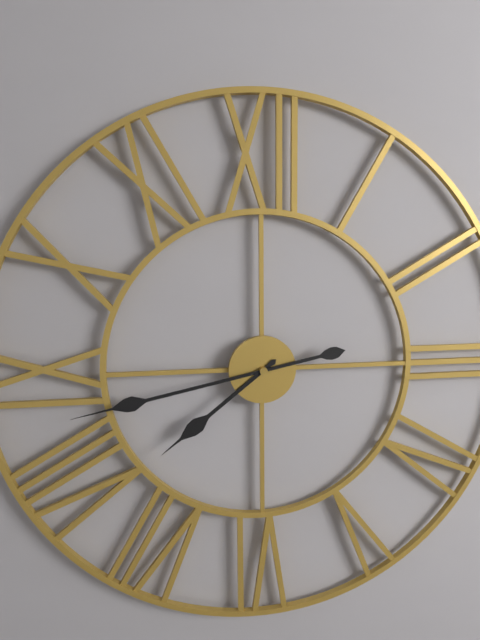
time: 7:43
